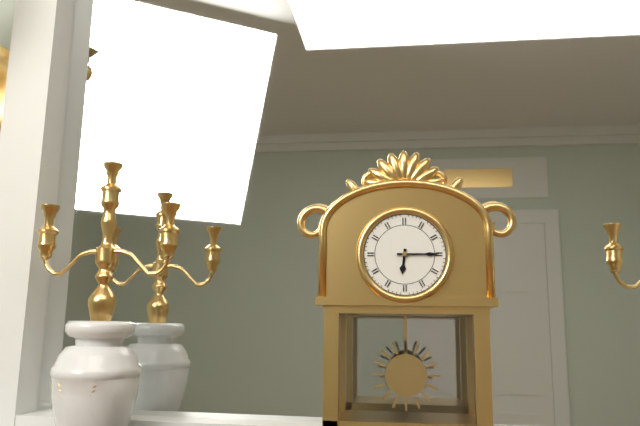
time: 6:15
